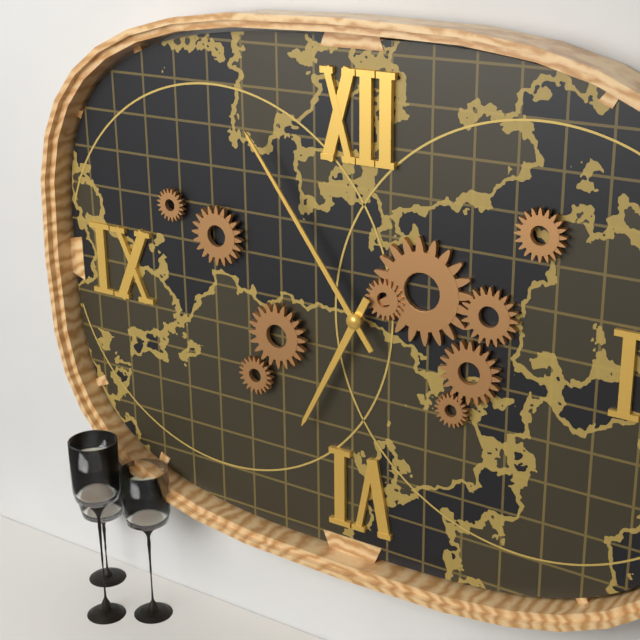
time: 6:54
